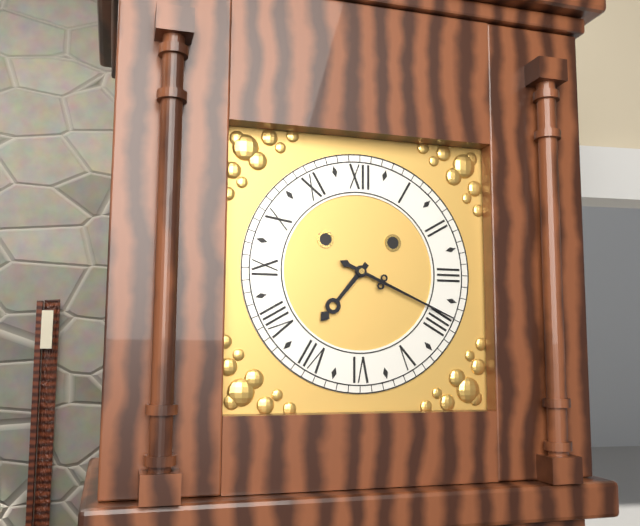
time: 7:19
